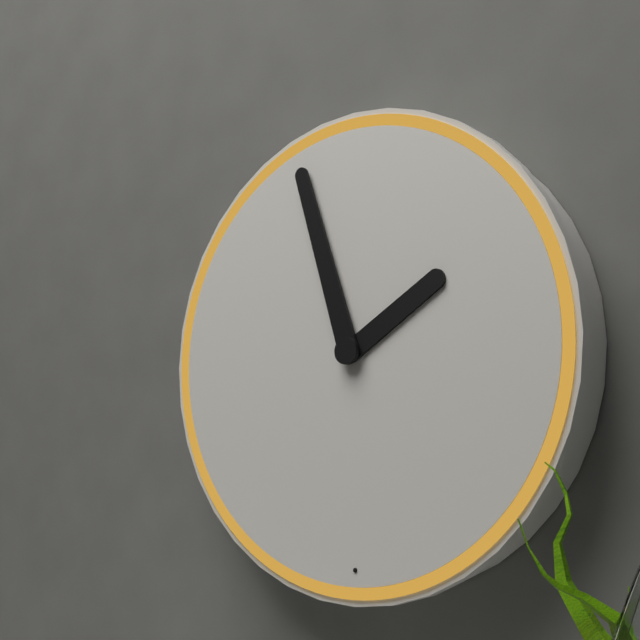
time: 1:57
